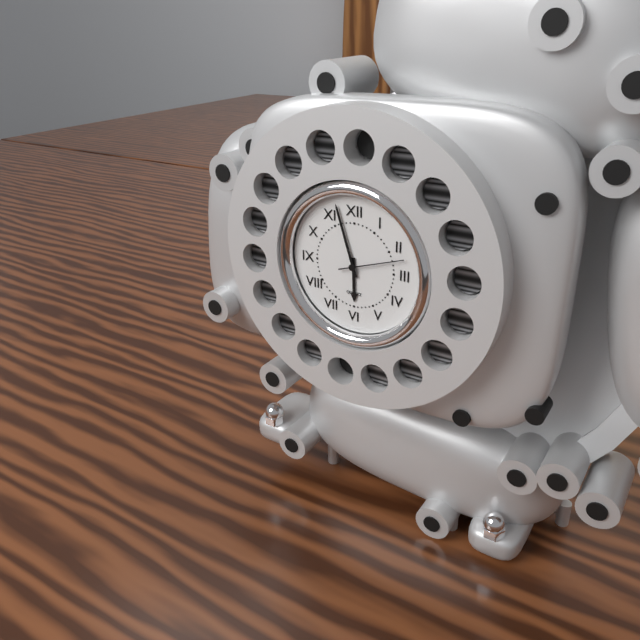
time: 5:57:12
